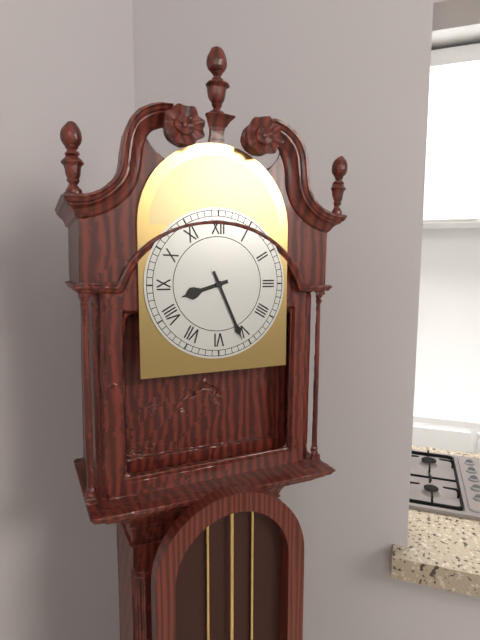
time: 8:26
